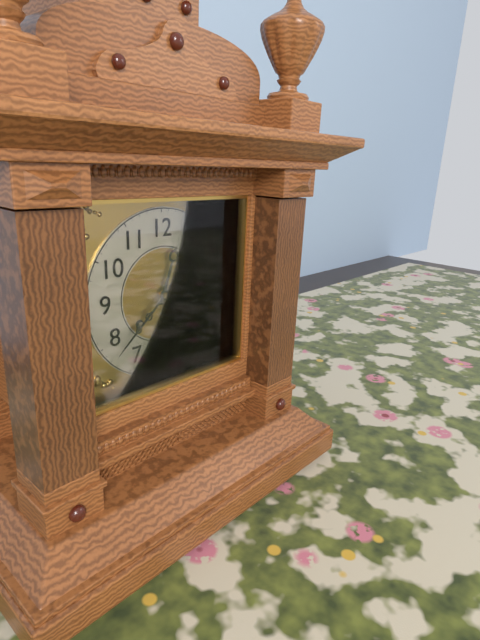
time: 12:38
